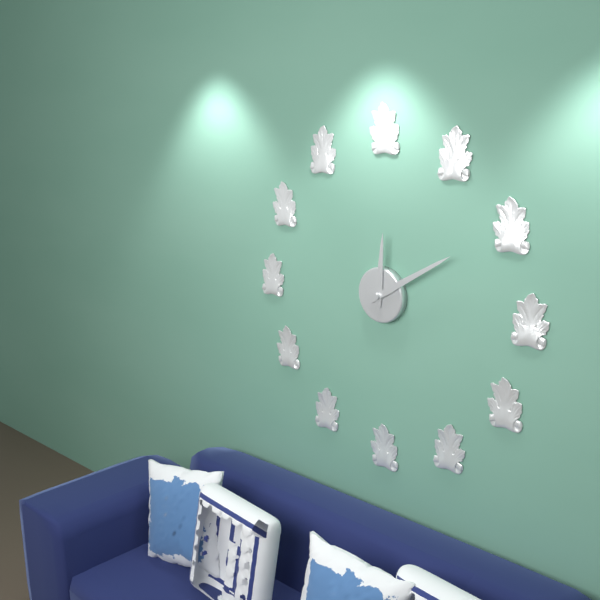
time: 12:10
